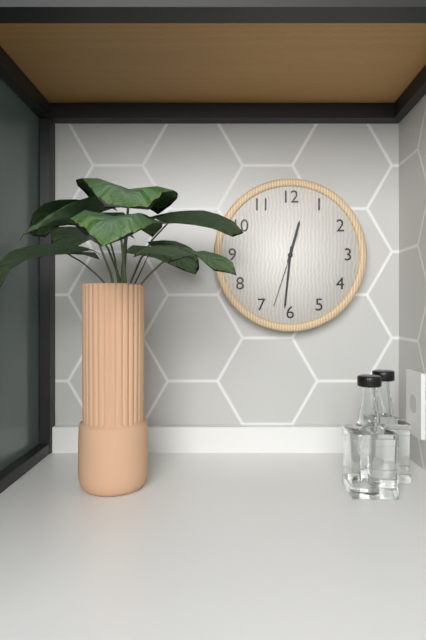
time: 12:31:33
